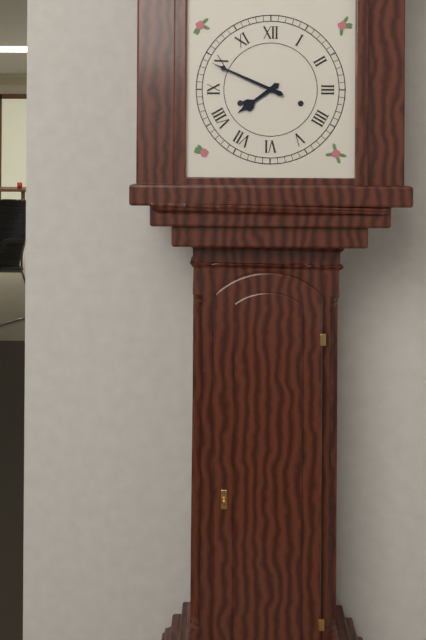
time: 7:49
